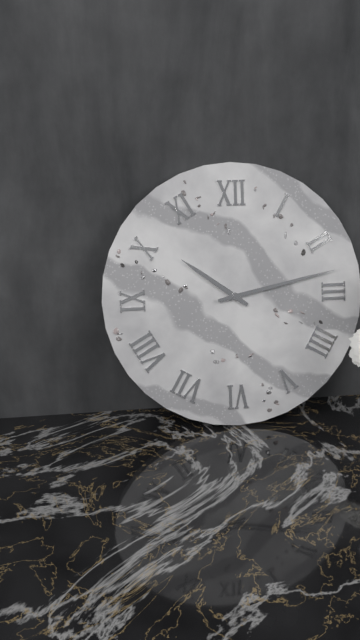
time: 10:13
